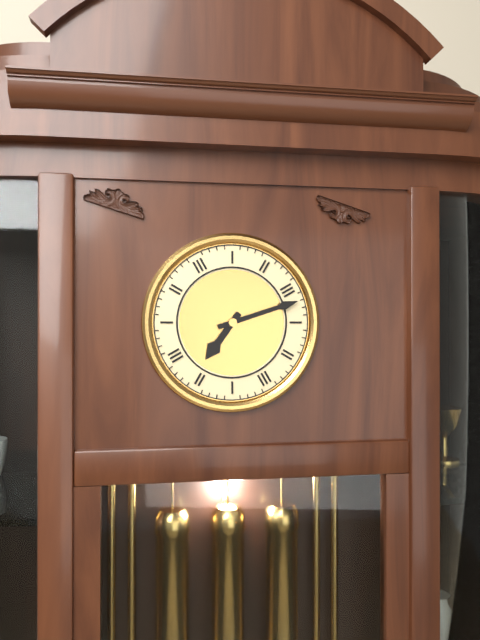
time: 7:12
